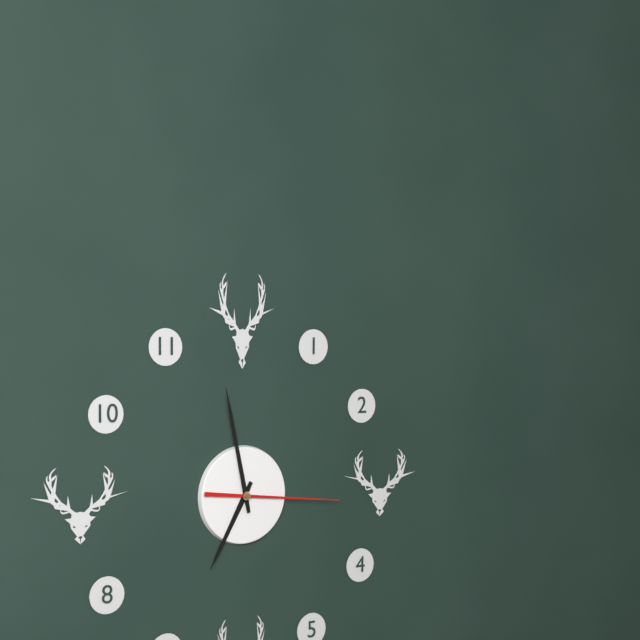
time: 6:58:16
